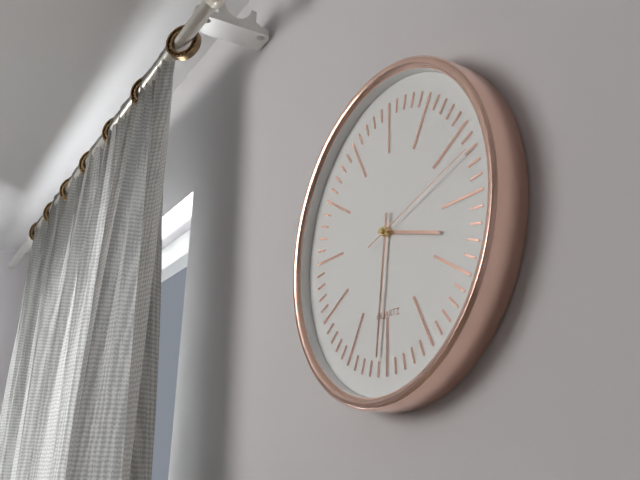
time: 3:31:12
